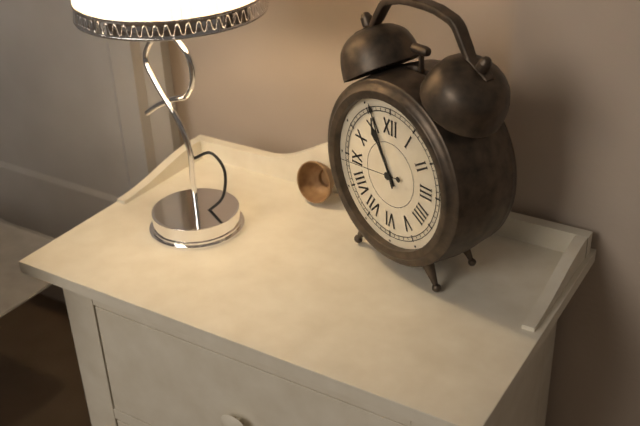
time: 10:56:44
